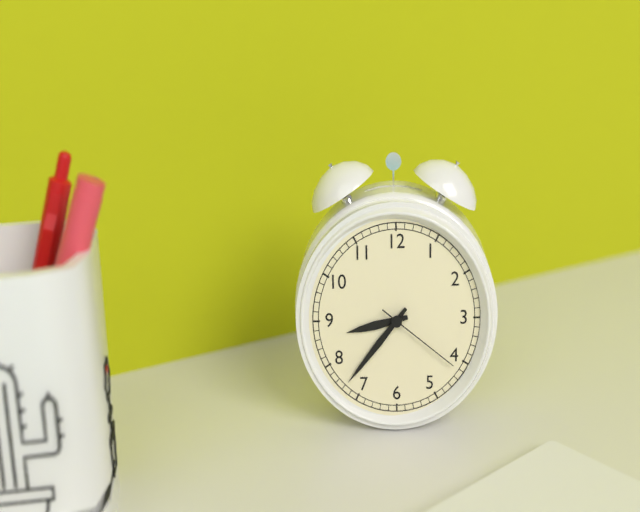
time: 8:37:21
